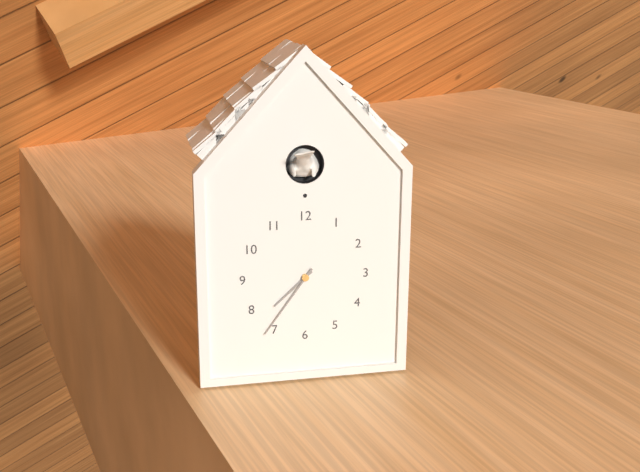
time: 7:36
